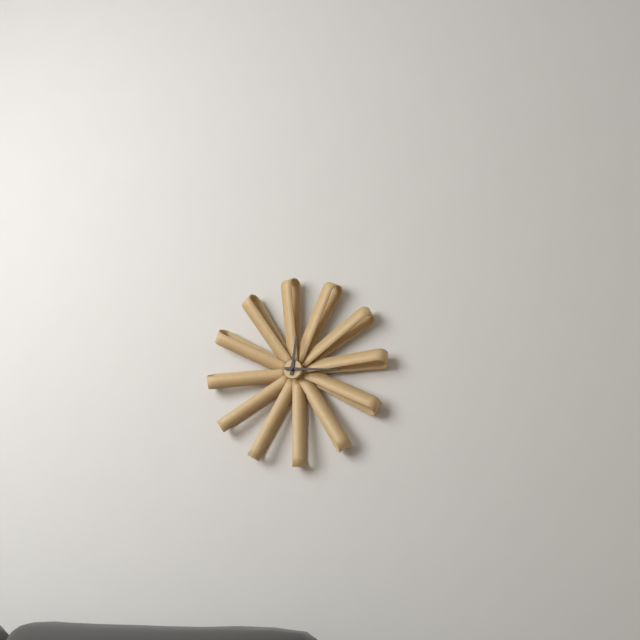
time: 12:16
